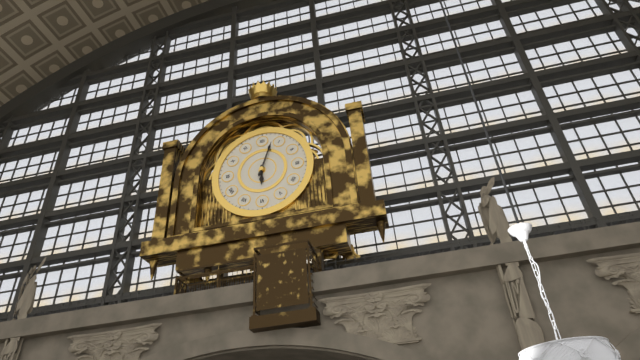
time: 6:03
